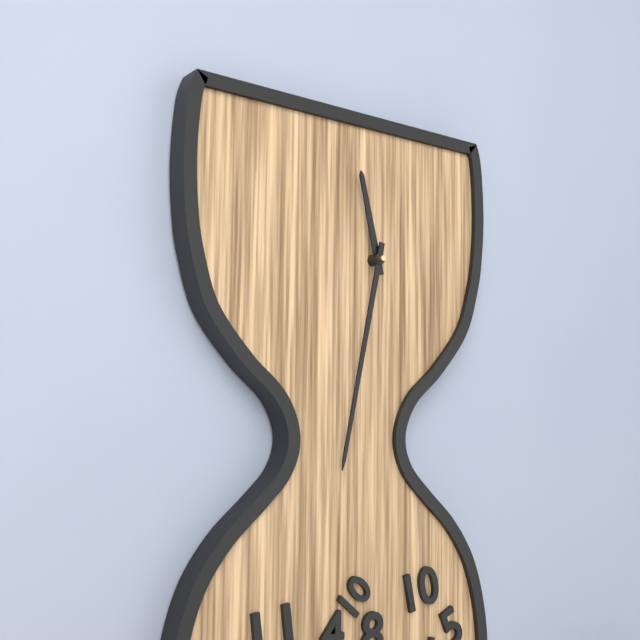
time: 11:32
